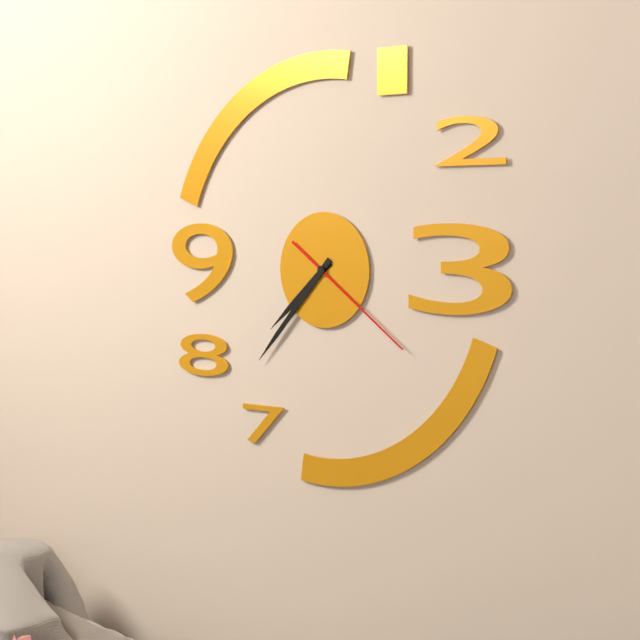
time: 7:37:21
